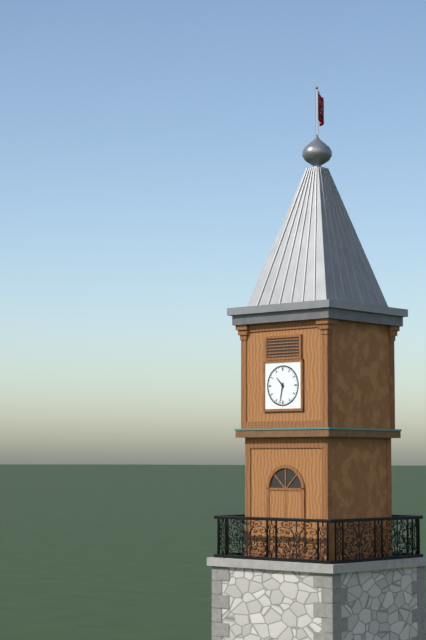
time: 10:32
